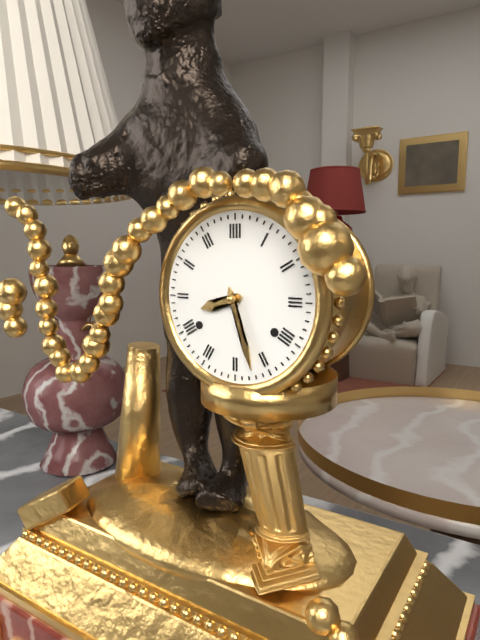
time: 8:27
